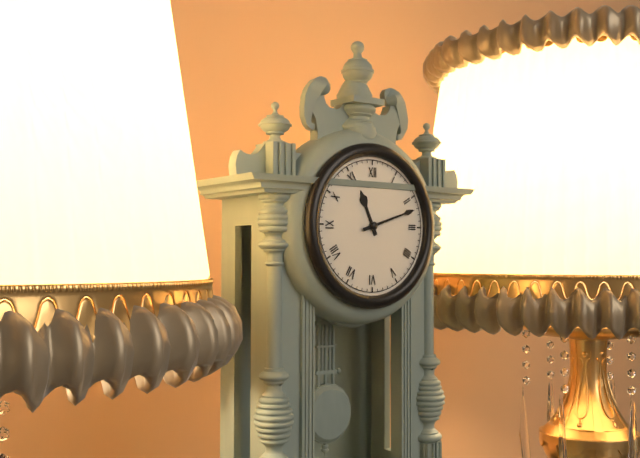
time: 11:12
